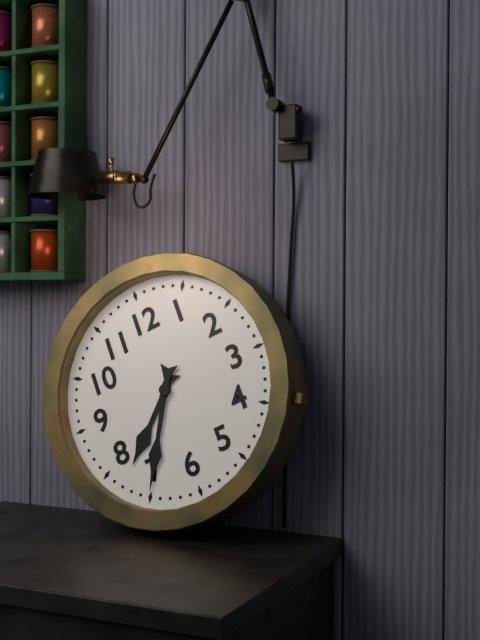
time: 7:35
